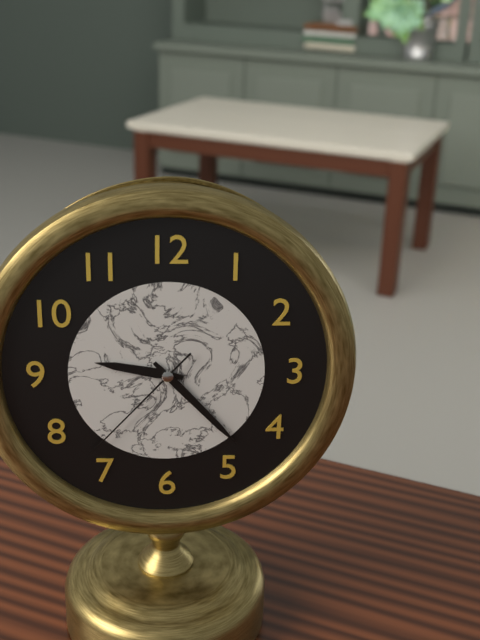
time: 9:23:37
